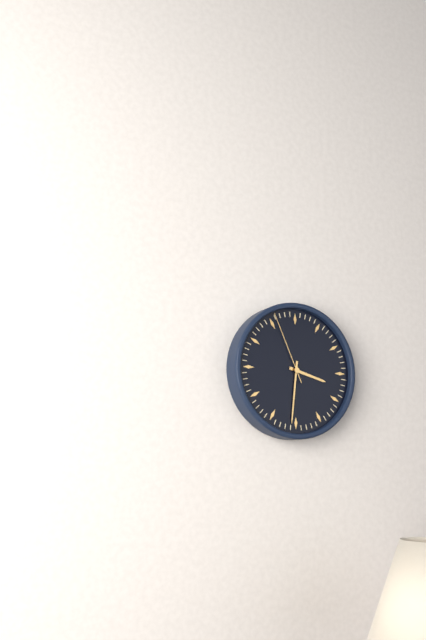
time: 3:31:56
